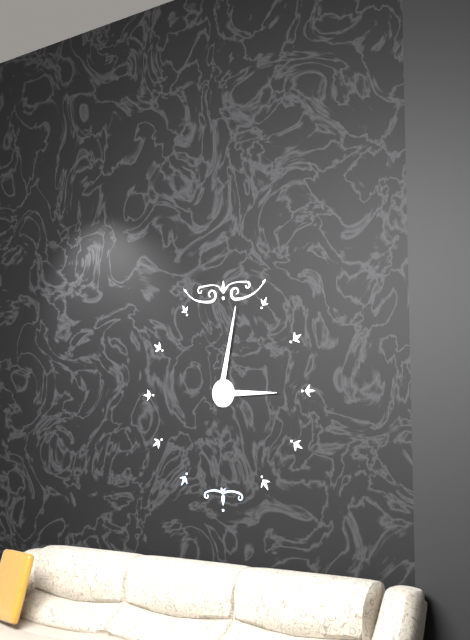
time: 3:02
